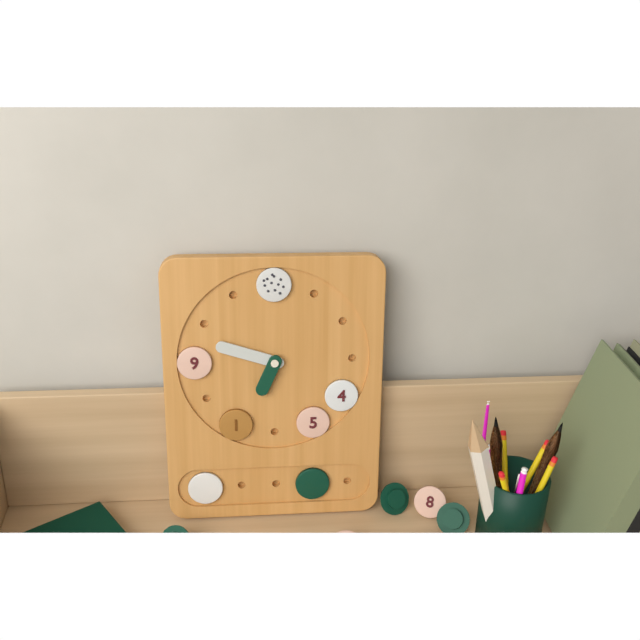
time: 6:48
